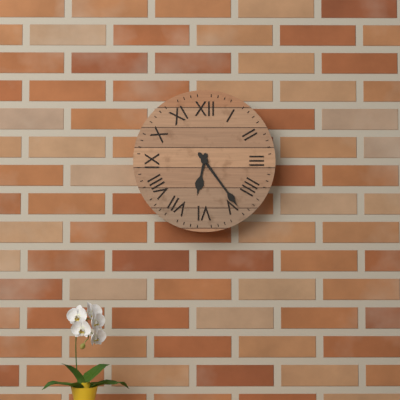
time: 6:24
